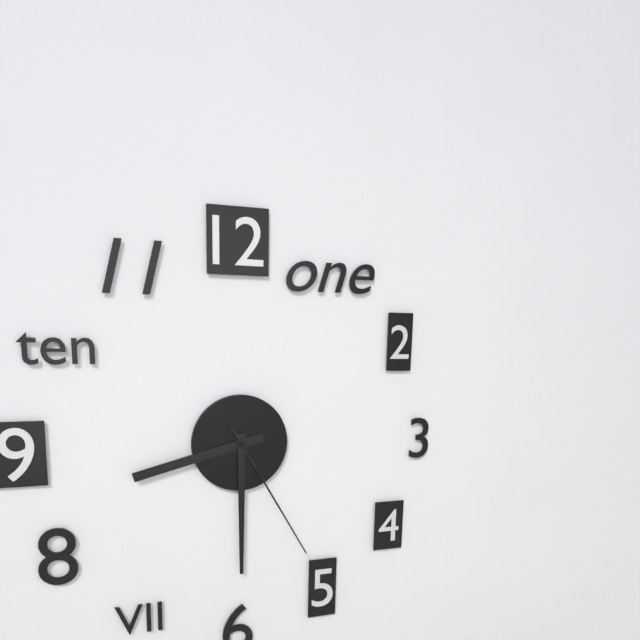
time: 8:30:25
